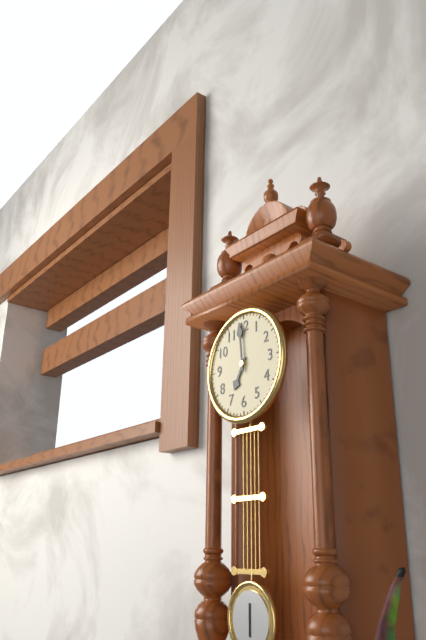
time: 6:59
